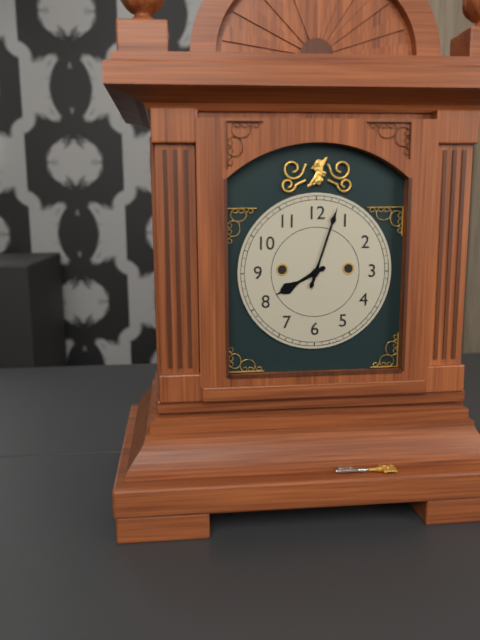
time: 8:03
